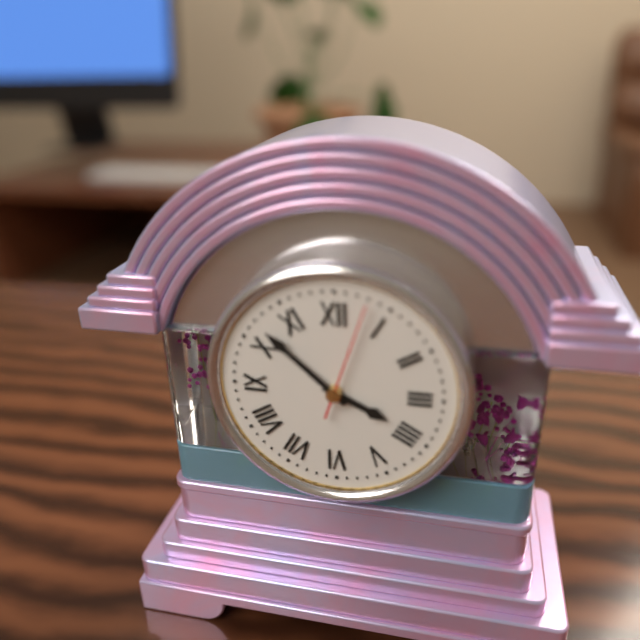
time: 3:52
